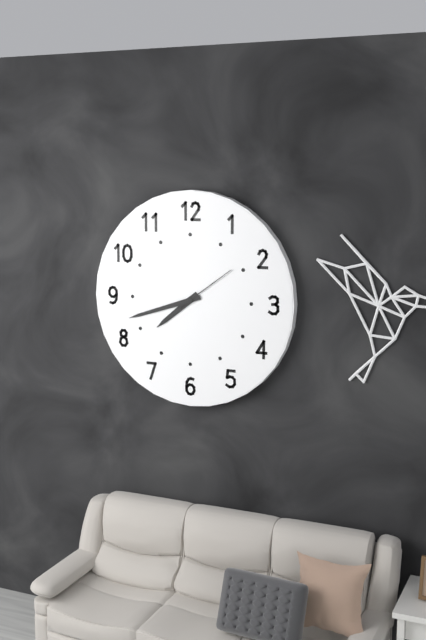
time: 7:42:09
